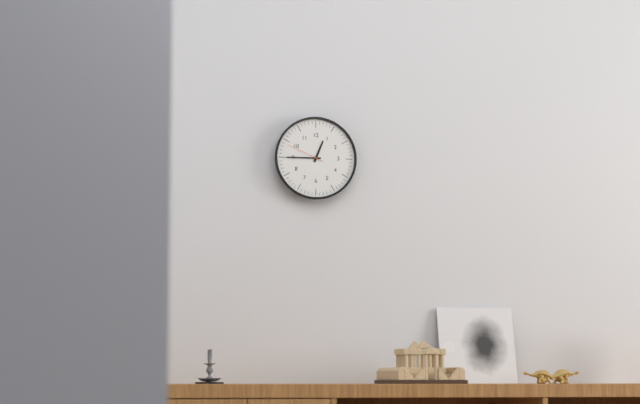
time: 12:45
